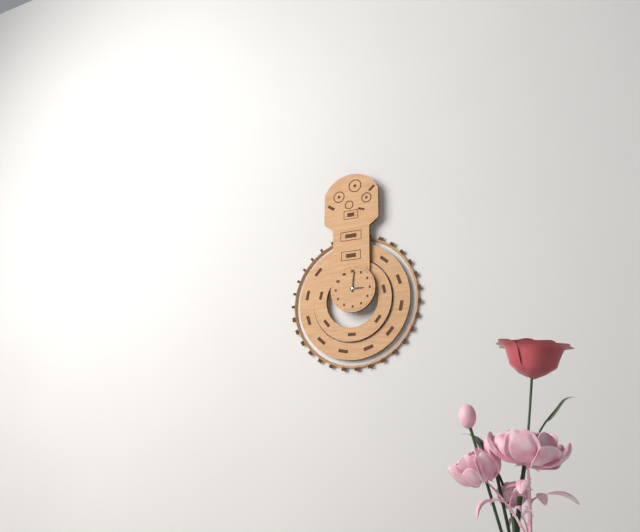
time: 3:01
